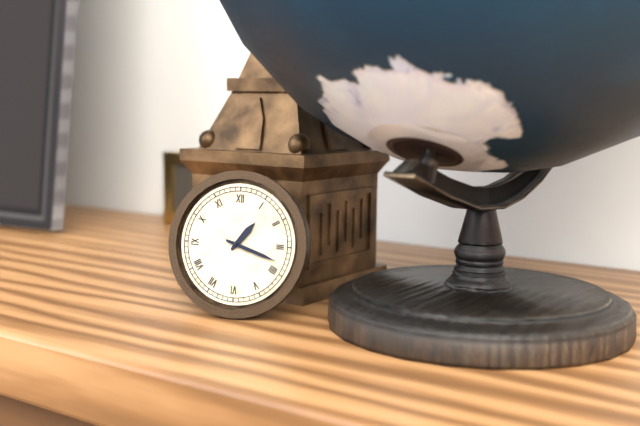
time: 1:18
